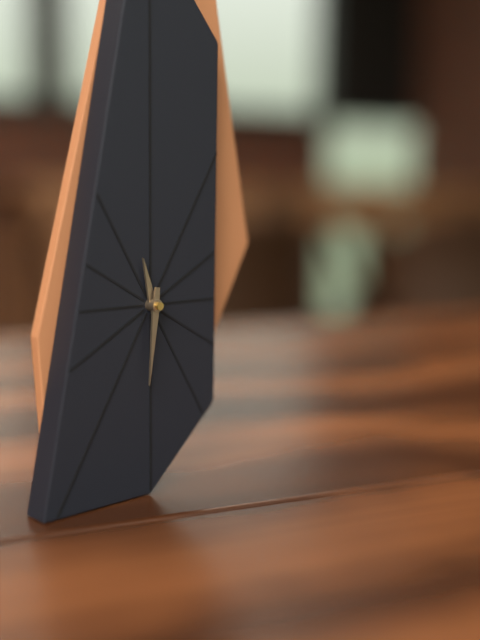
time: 11:31
